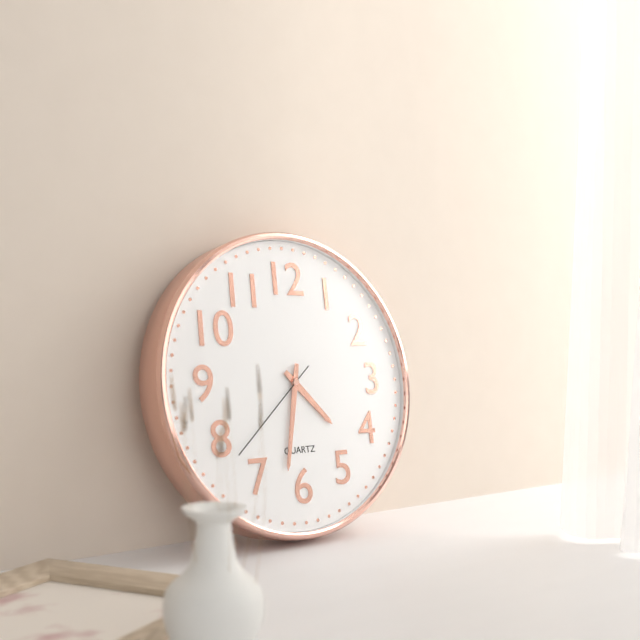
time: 4:32:38
